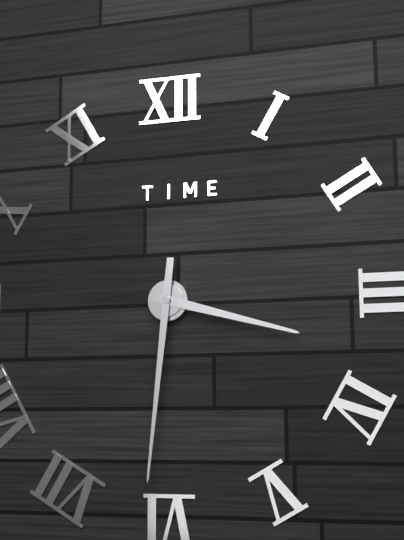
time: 3:31
